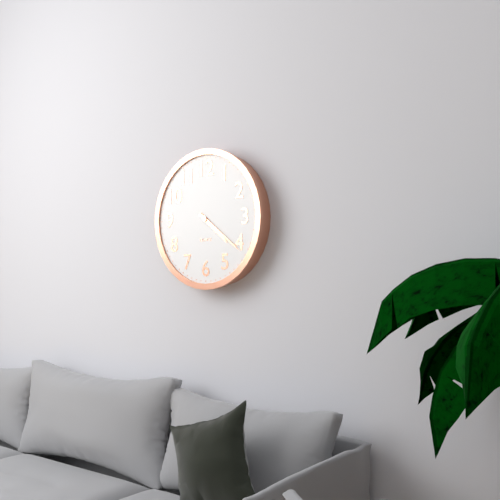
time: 4:21
